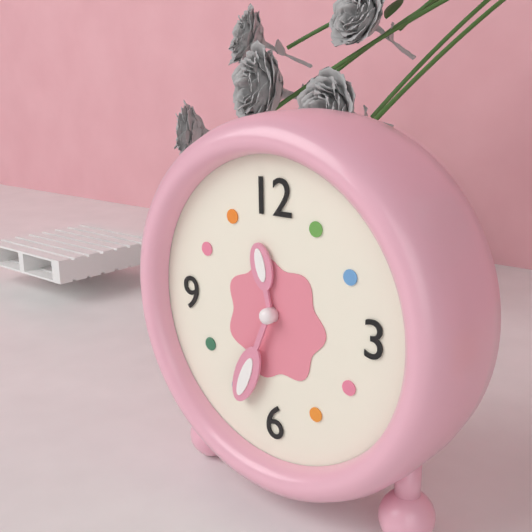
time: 11:34
